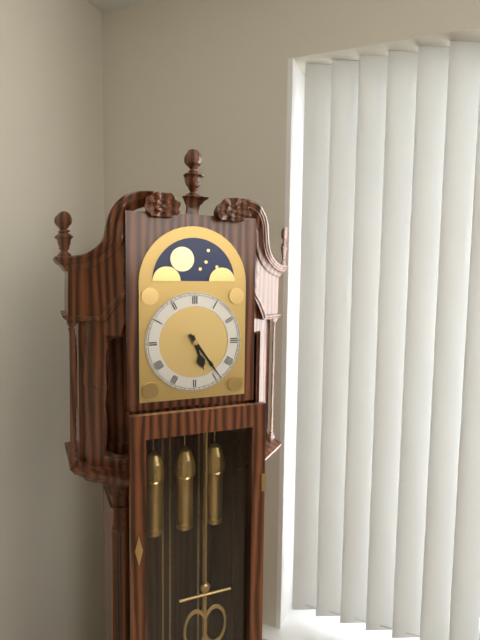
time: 5:24
